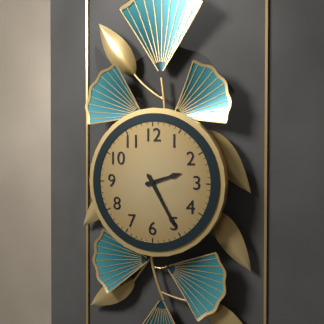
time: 2:25
